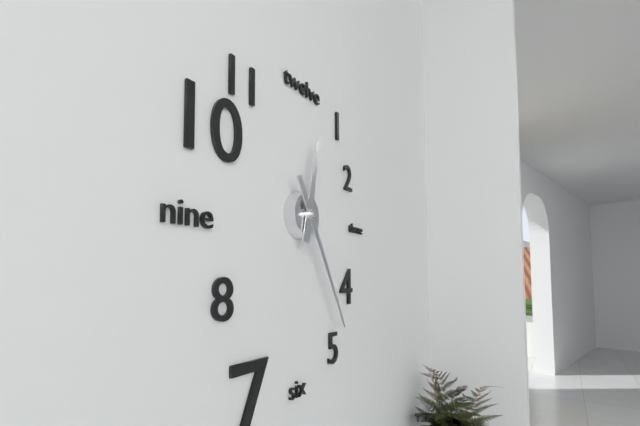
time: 12:25
